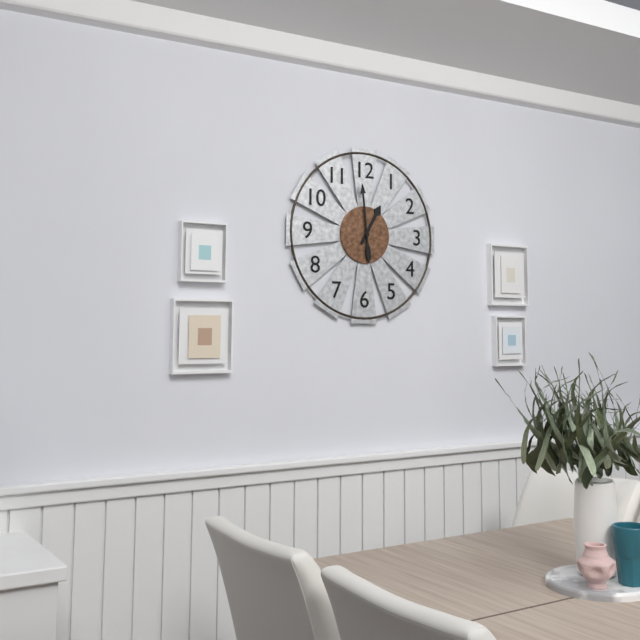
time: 12:59
